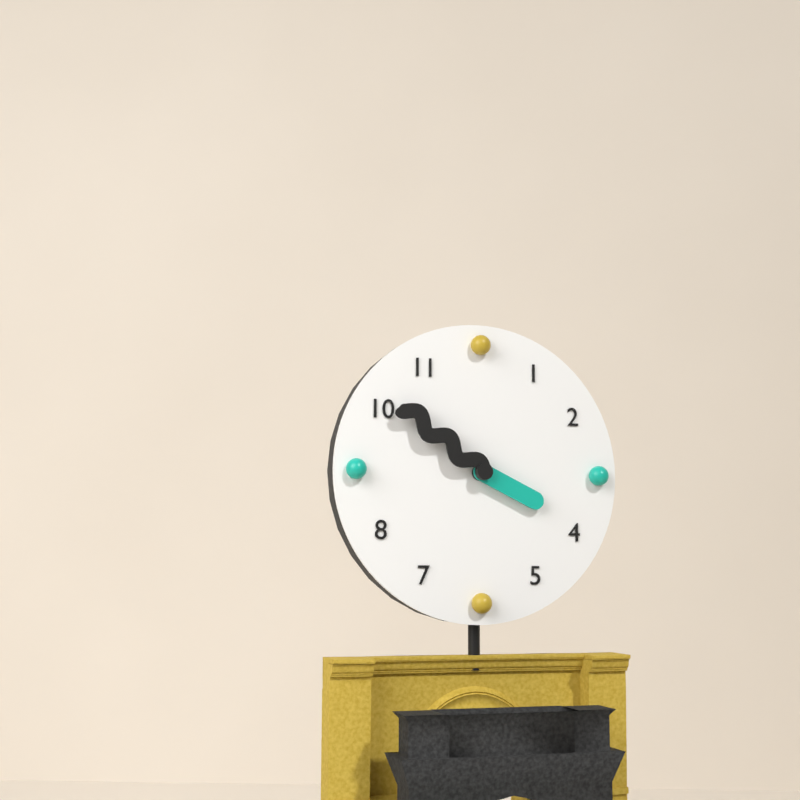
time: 3:51
